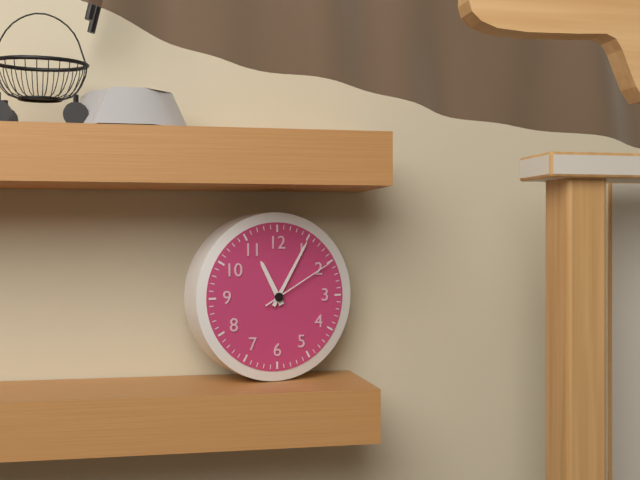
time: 11:05:10
